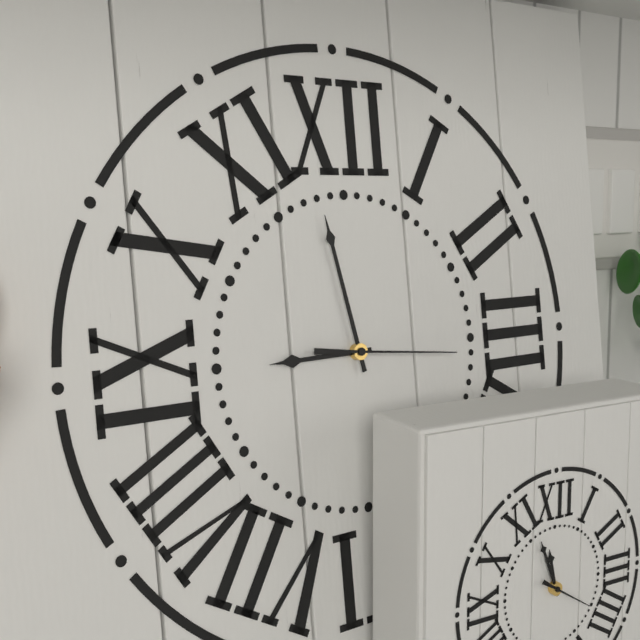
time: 8:58:16
